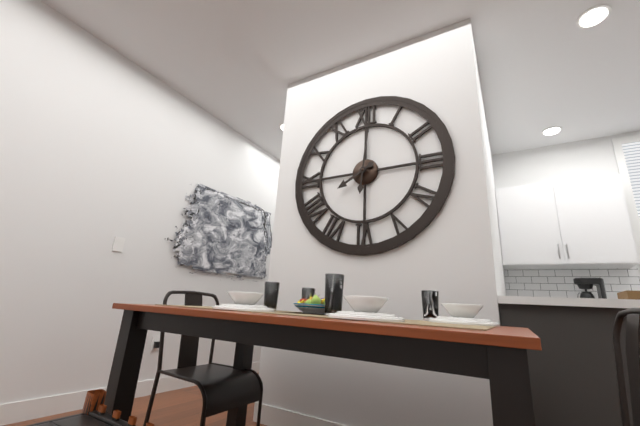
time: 8:01
